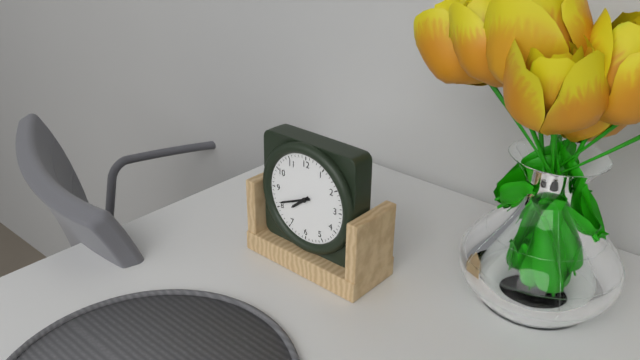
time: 7:41
